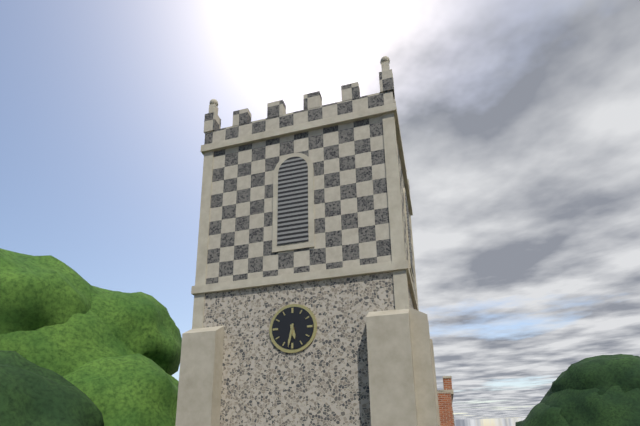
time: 5:32
